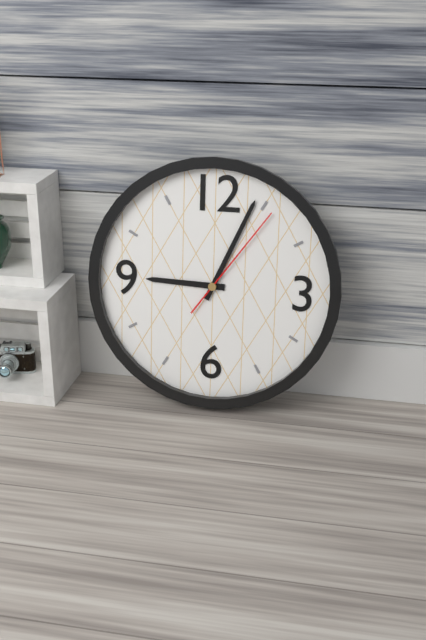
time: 9:04:06
